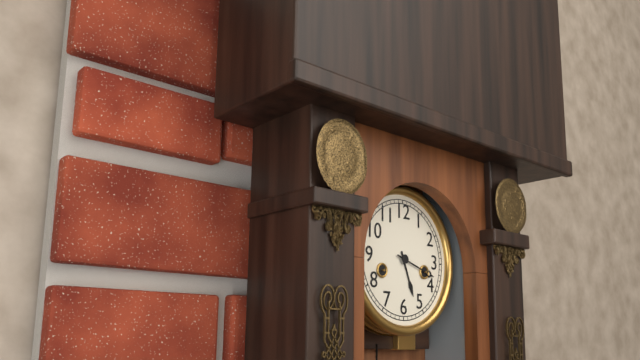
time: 5:18
